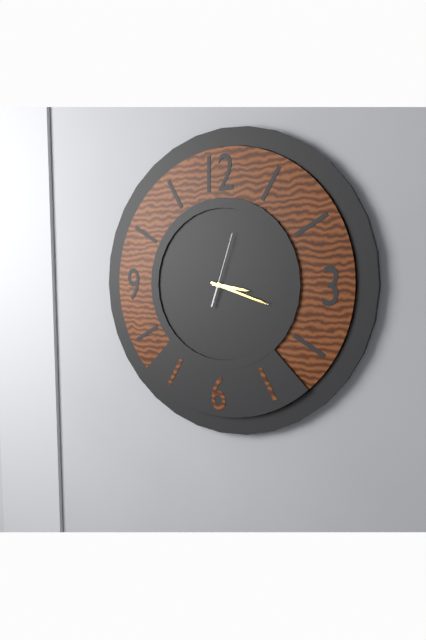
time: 3:18:03
